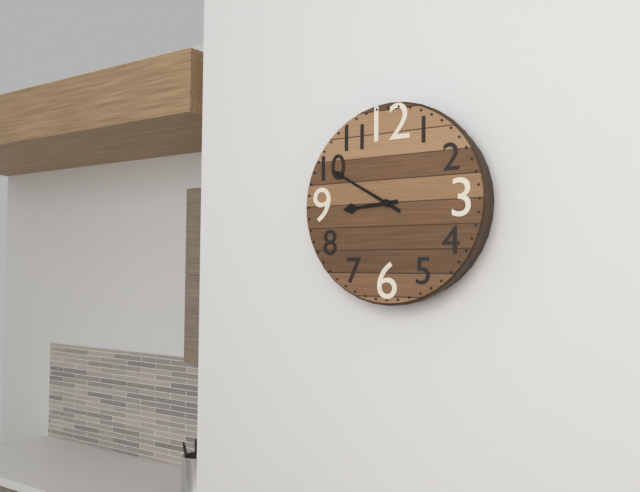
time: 8:50
